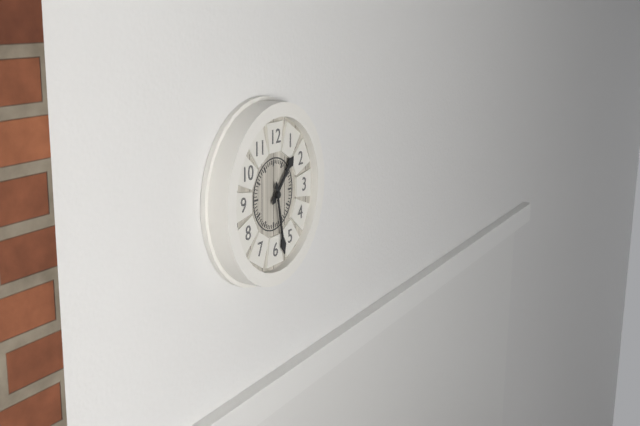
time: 1:28
